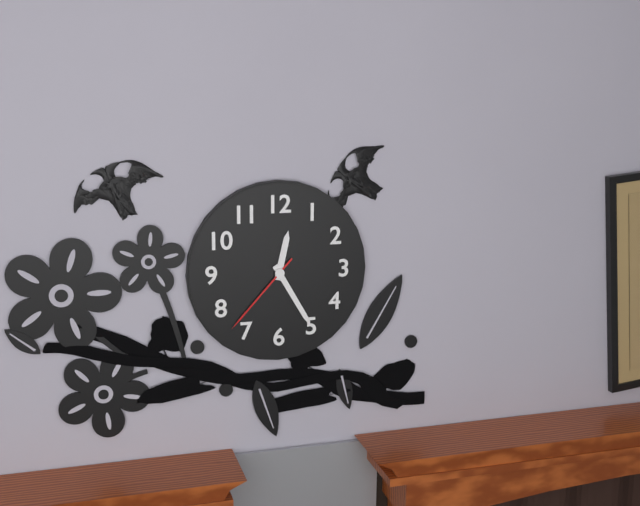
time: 12:25:37
